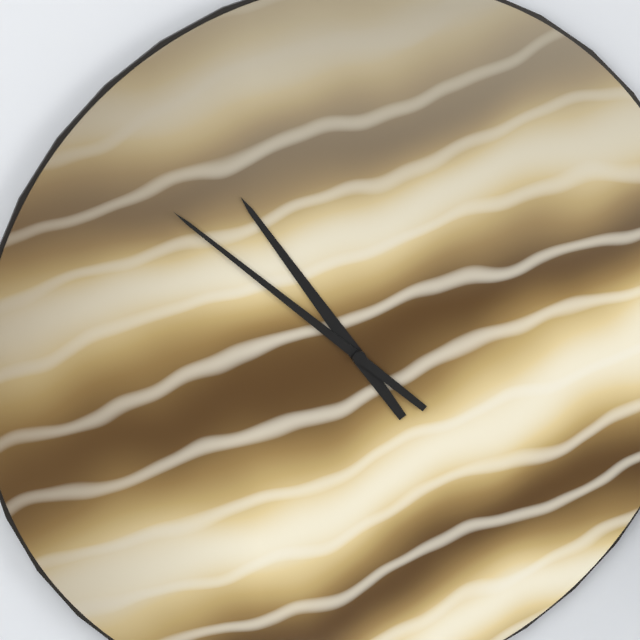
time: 10:52
